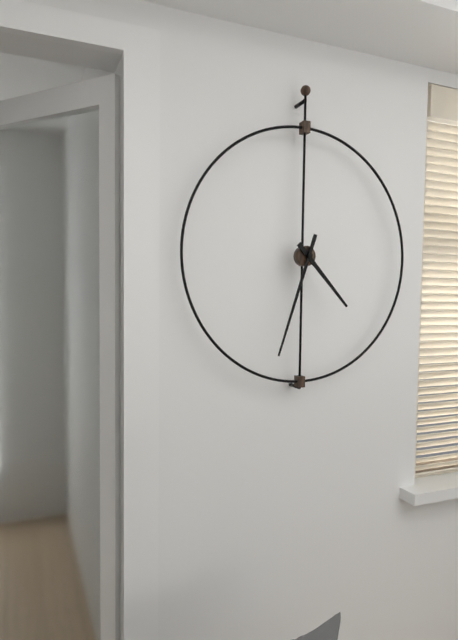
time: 4:33
